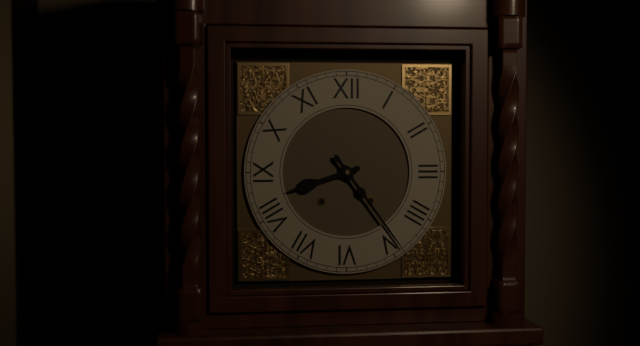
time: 8:24
